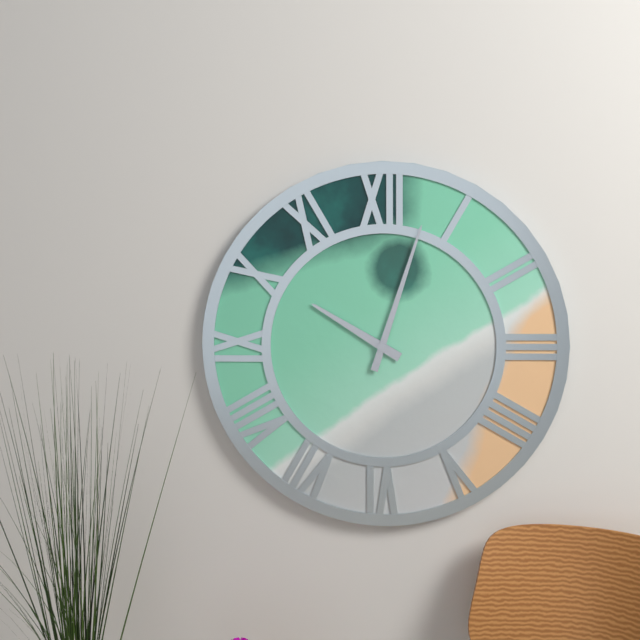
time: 10:03
